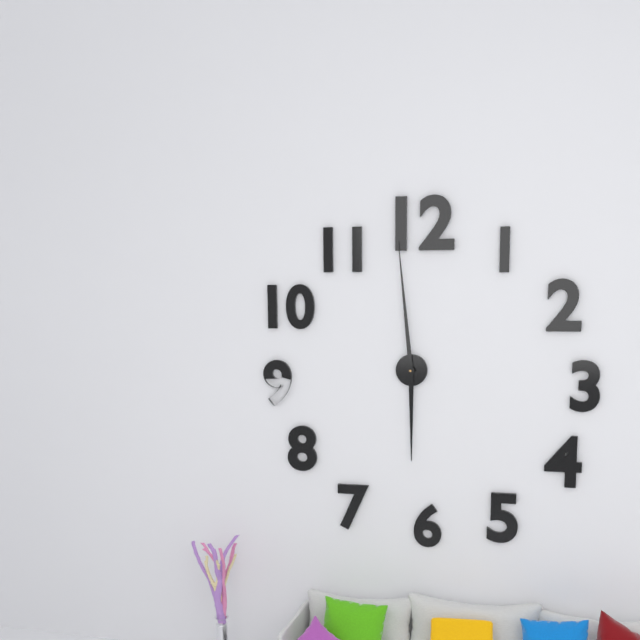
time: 5:59
